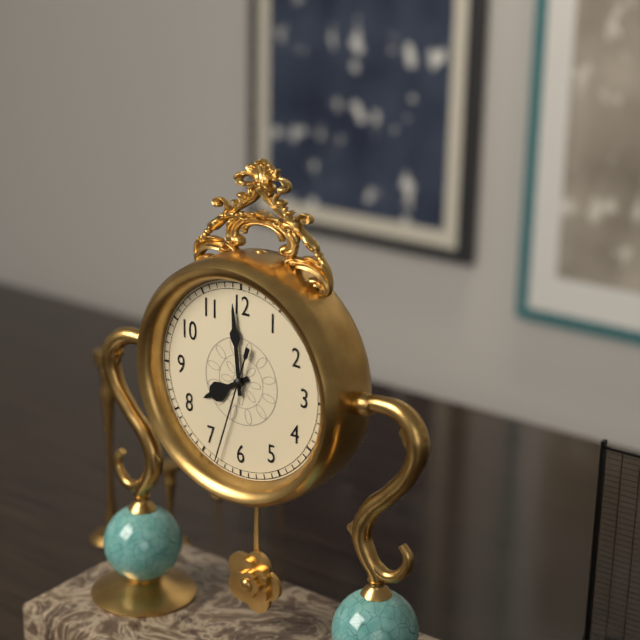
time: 7:59:33
